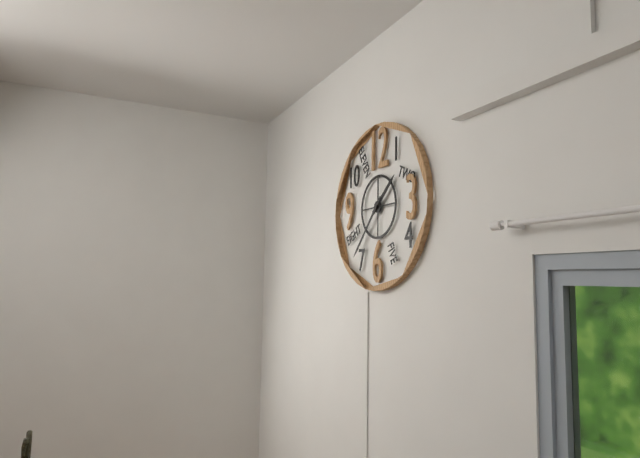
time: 1:37
